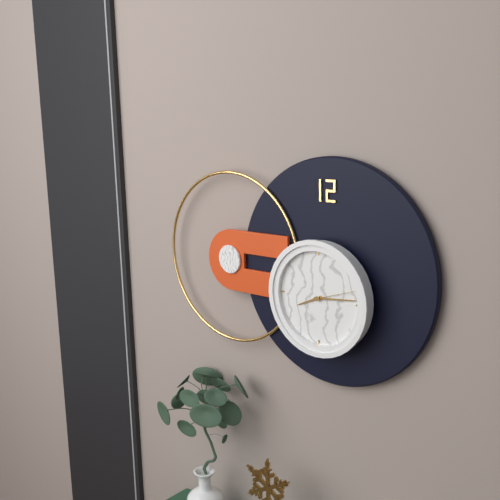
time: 8:14:12
